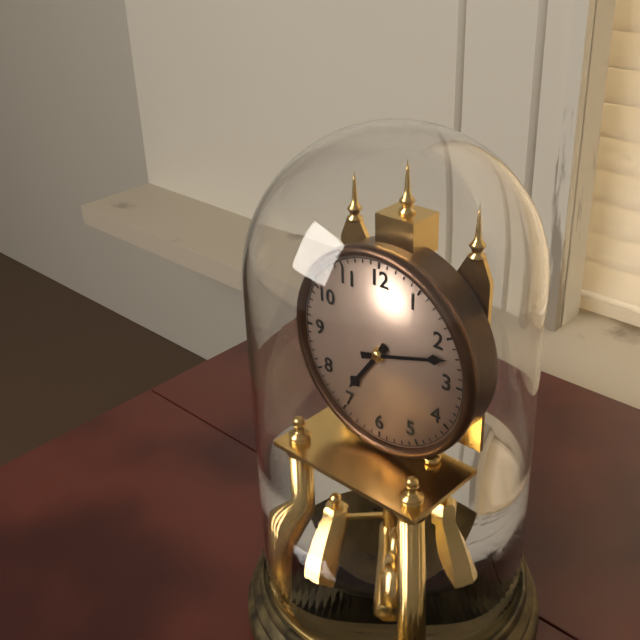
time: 7:12
